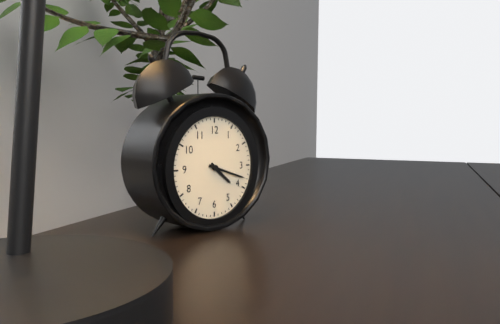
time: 4:18
